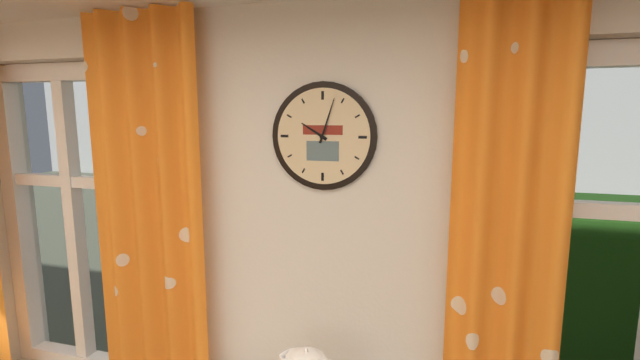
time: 10:03
